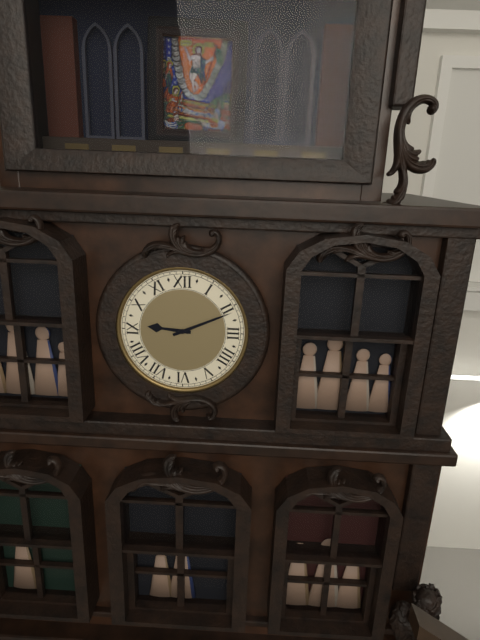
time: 9:11
